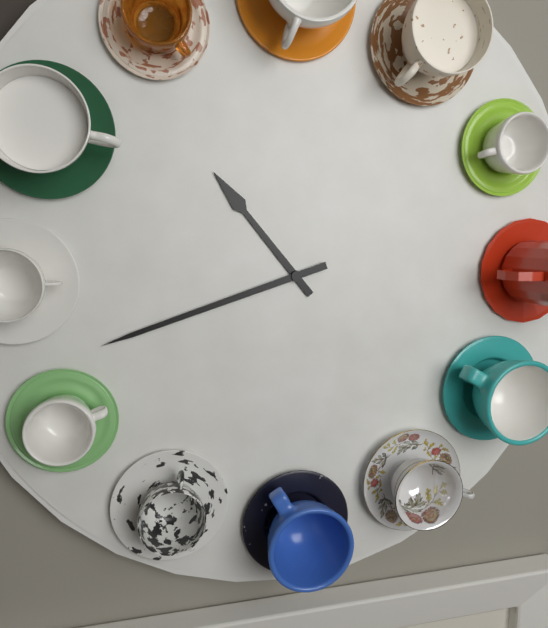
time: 10:42
